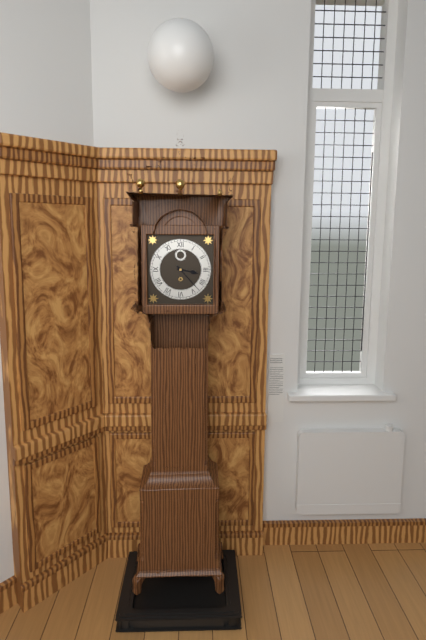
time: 3:23
